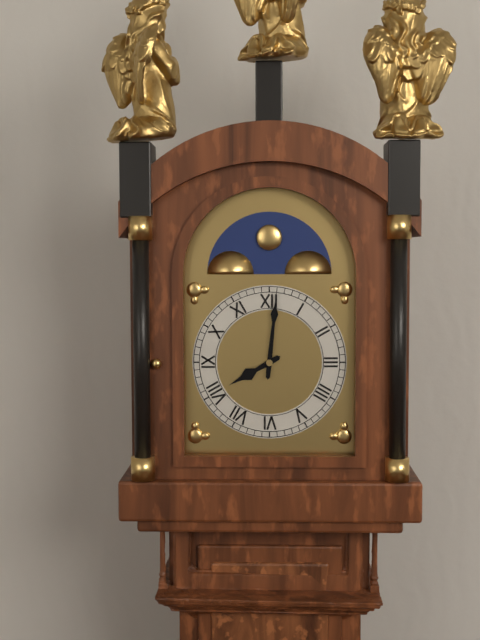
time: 8:01
